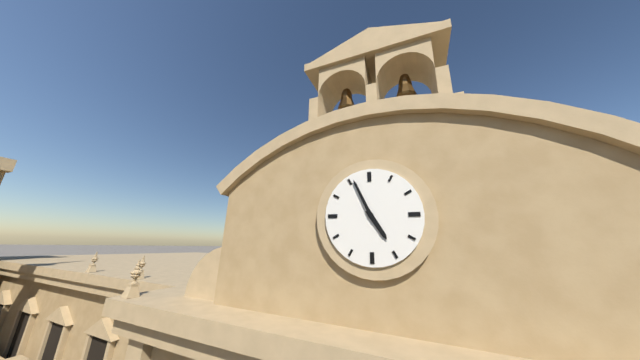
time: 4:56
